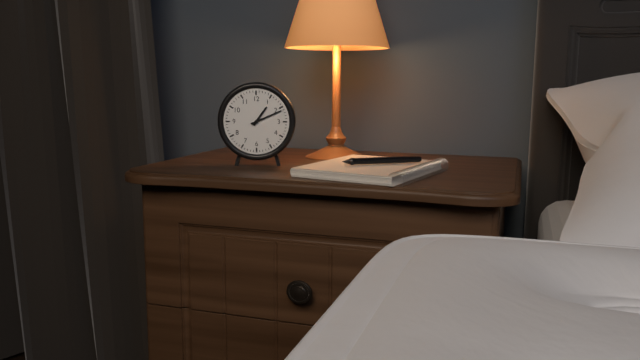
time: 1:11
